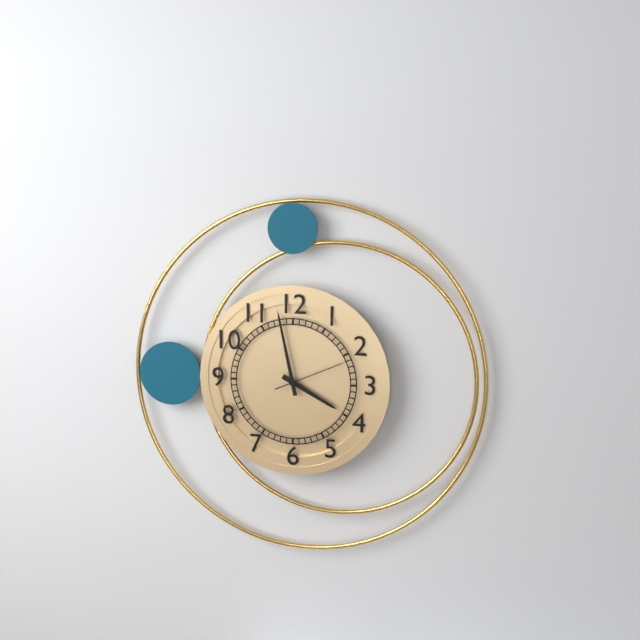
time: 3:58:11
